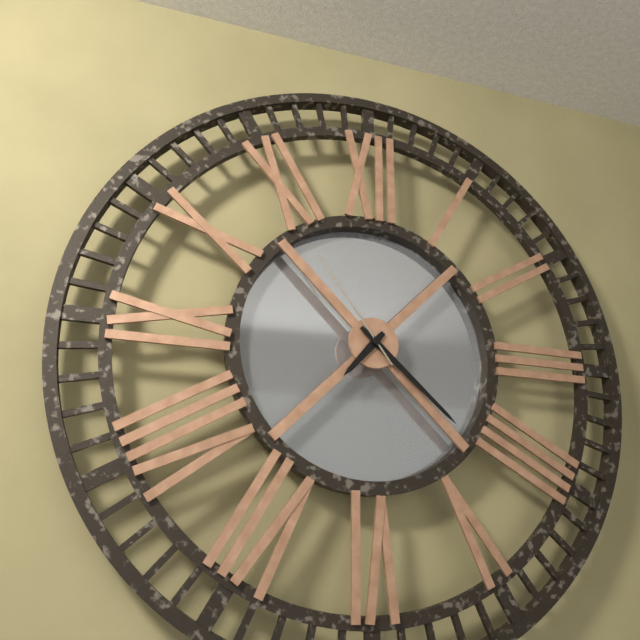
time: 7:22:54
